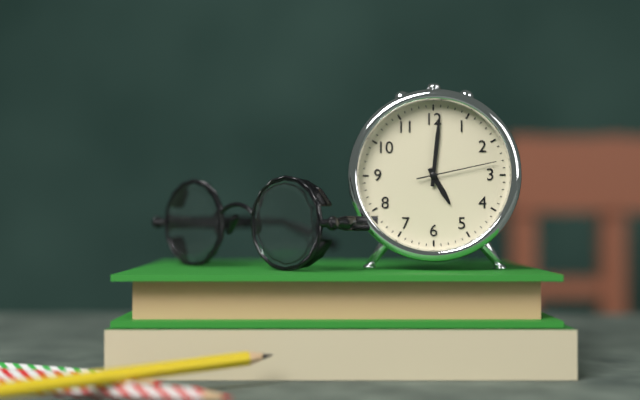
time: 5:01:13
